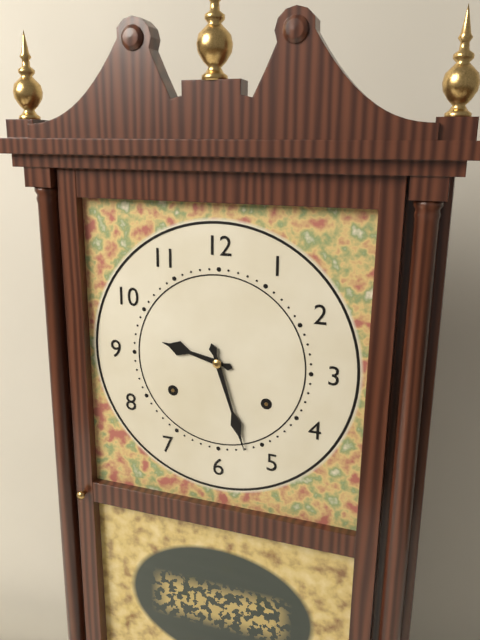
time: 9:27
